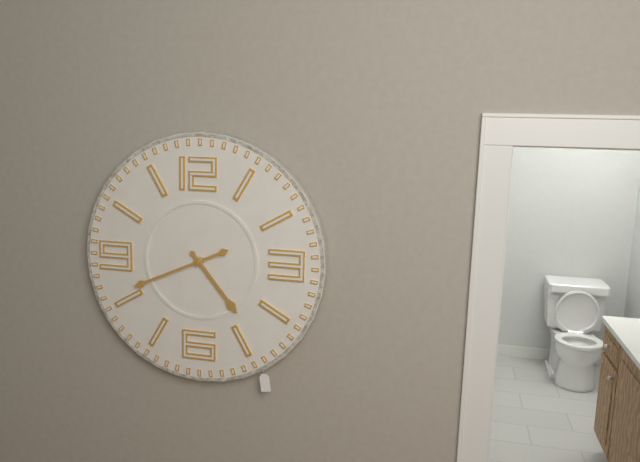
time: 4:41
